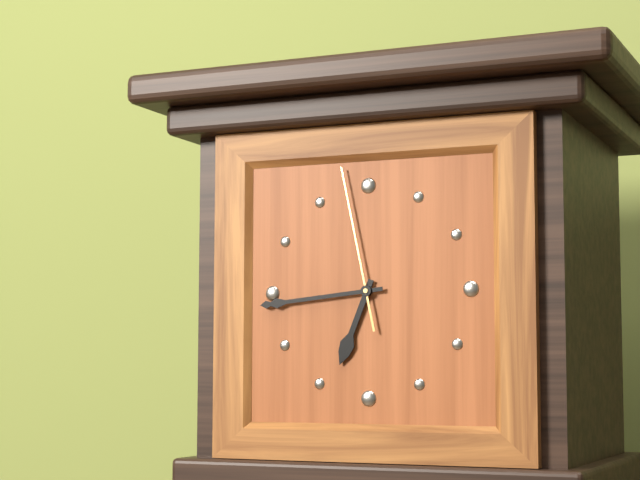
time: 6:44:58
